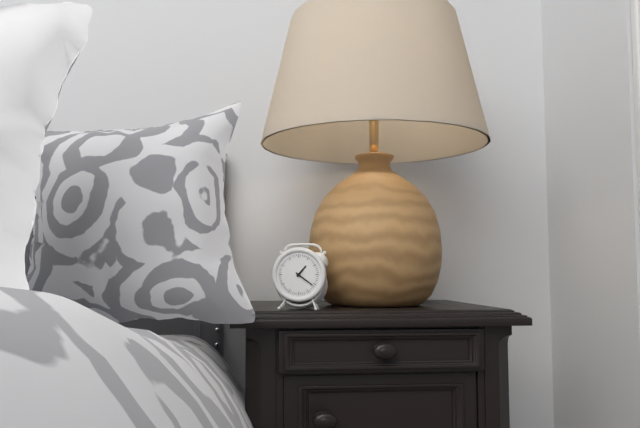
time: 1:21
